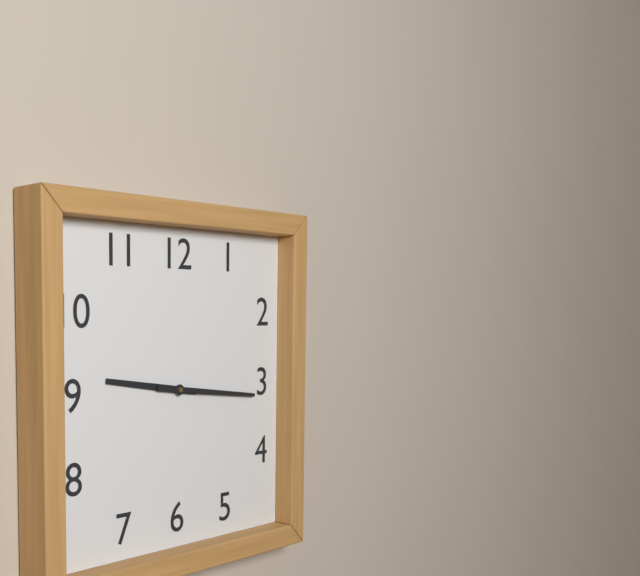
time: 9:16
